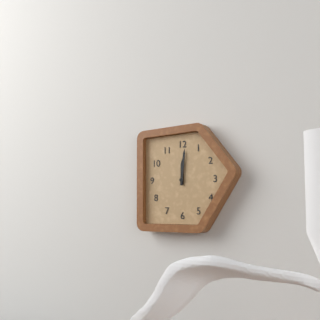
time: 12:01
